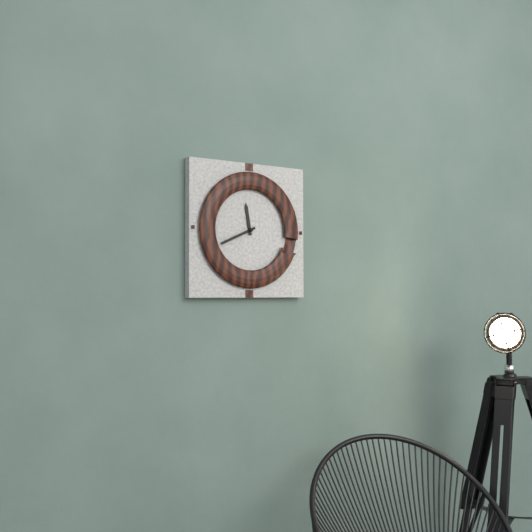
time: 11:41
